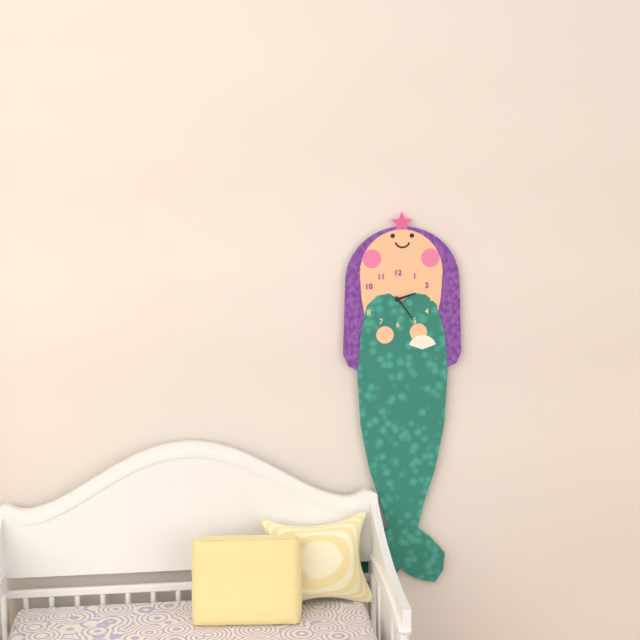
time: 2:24
